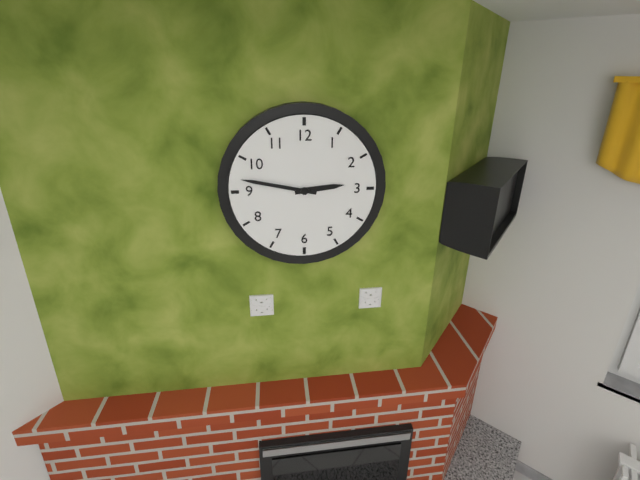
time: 2:47
